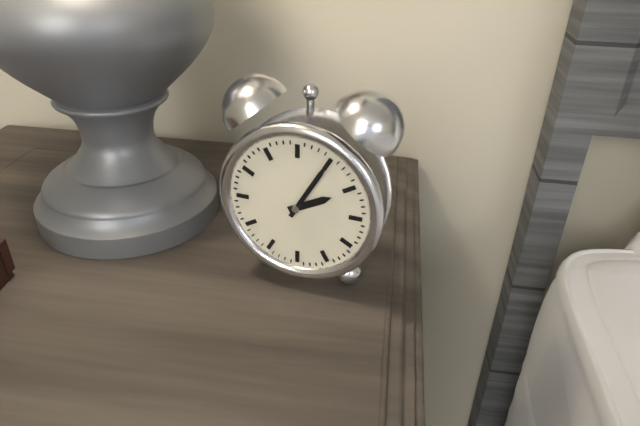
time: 2:05
